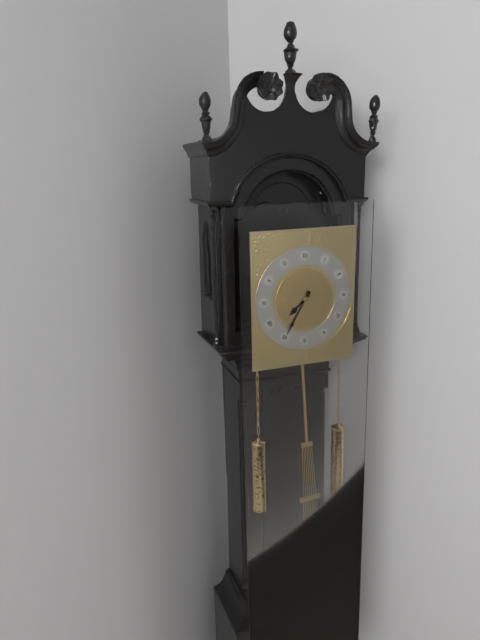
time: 7:35
